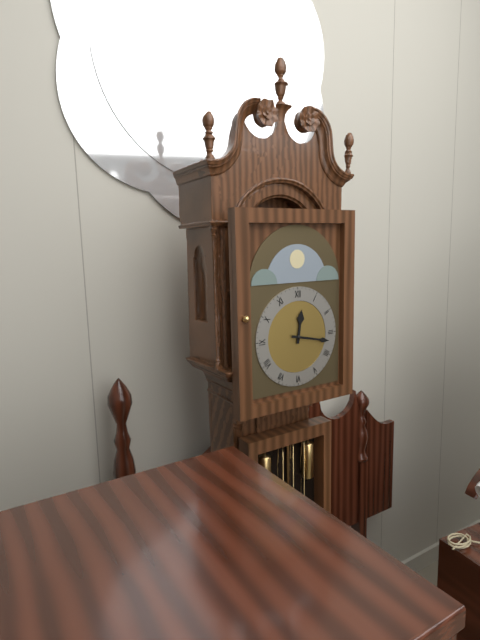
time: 12:17
